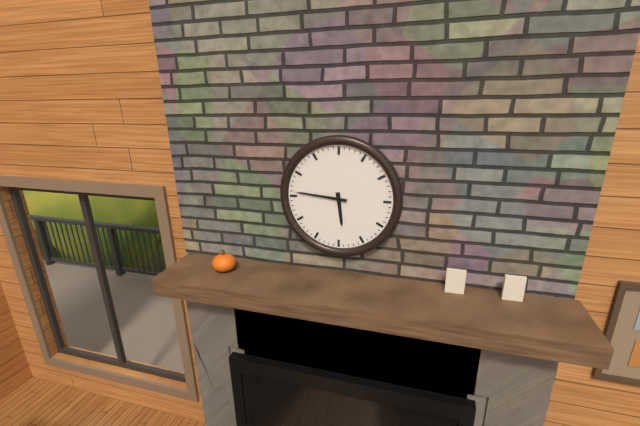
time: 5:46
